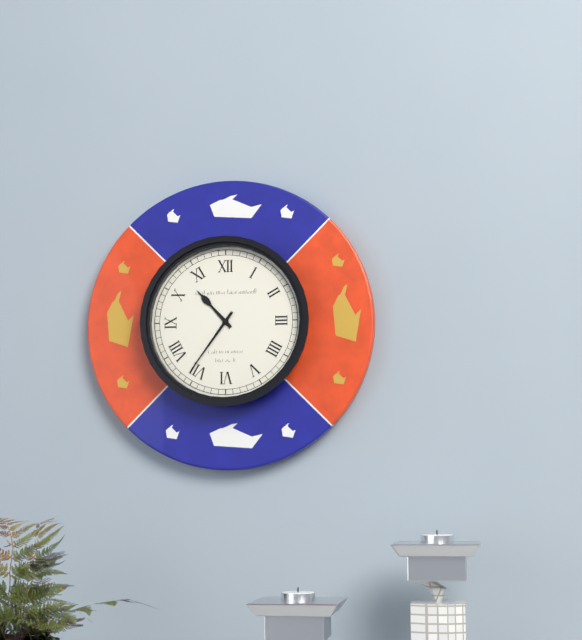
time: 10:36
